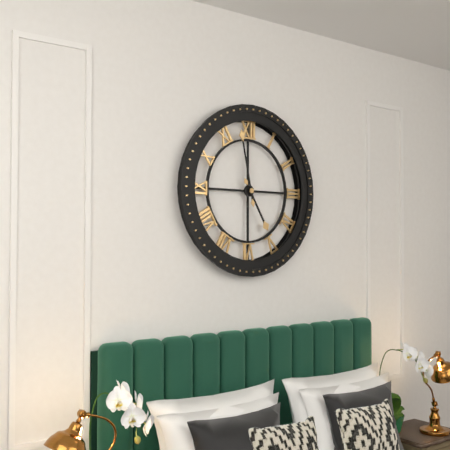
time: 4:58
